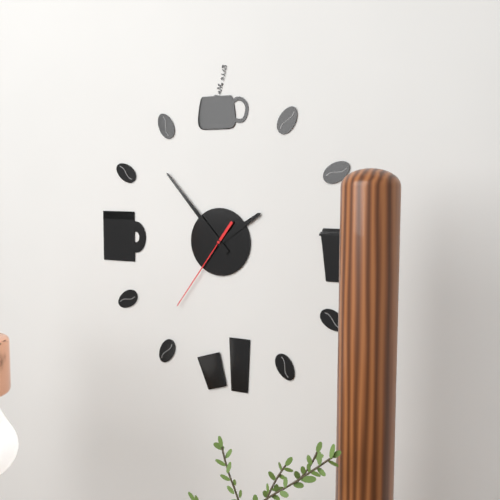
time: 1:53:36
